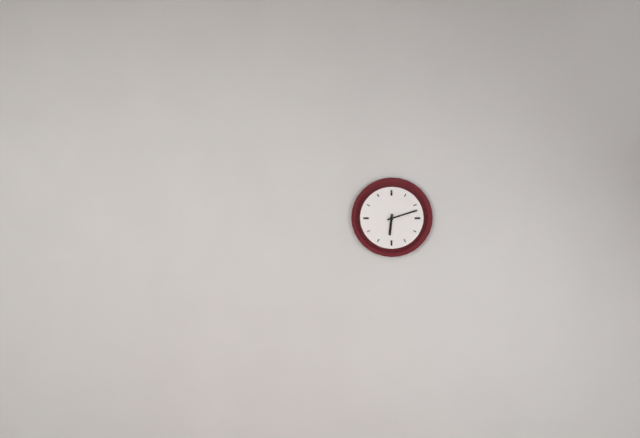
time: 6:12
